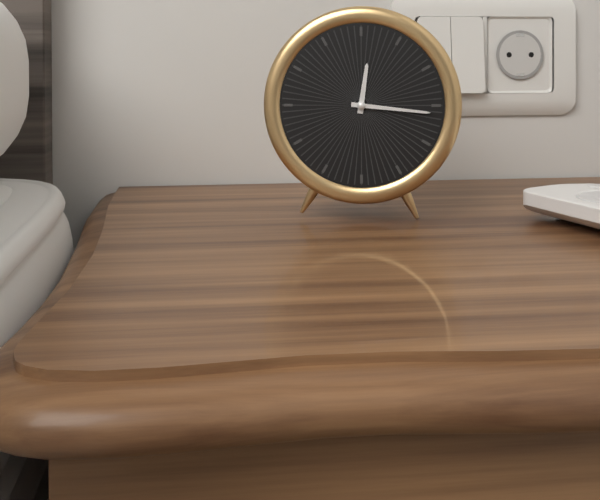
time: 12:16
